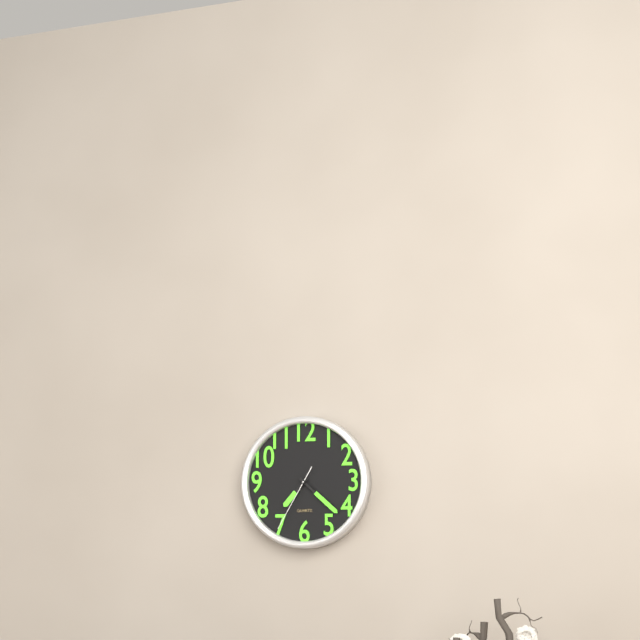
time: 7:22:35
